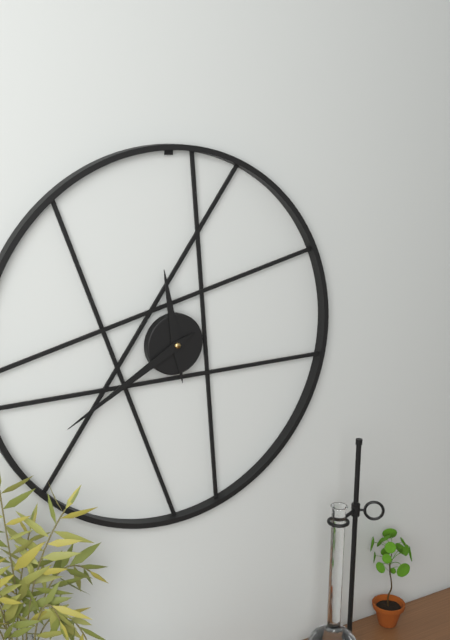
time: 11:40
